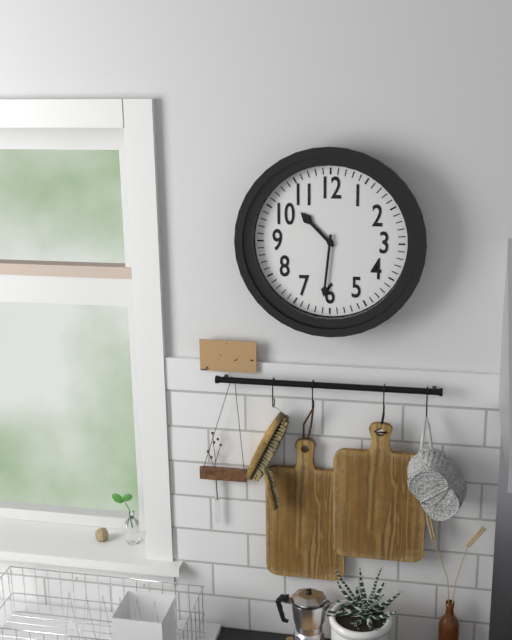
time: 10:31
